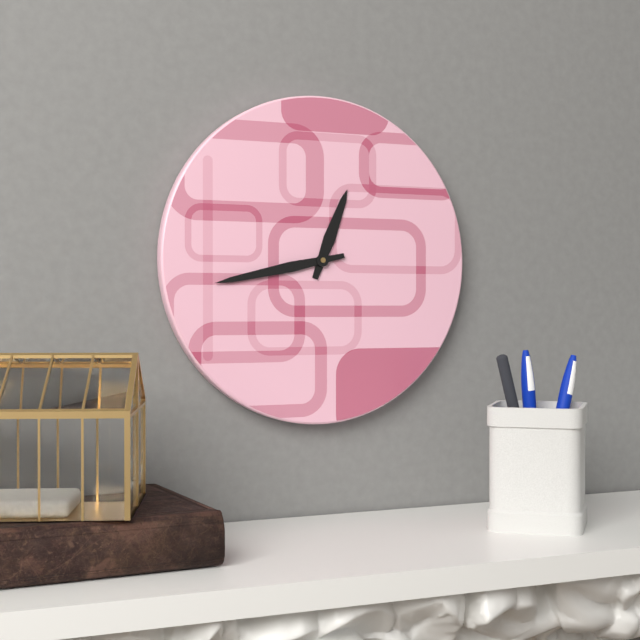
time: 12:43
